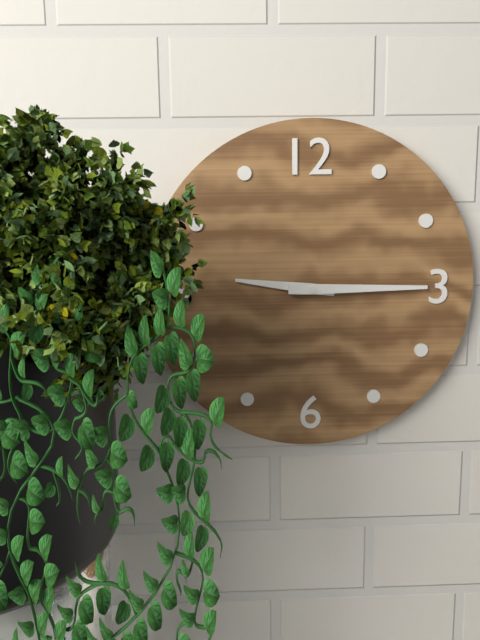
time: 9:15
